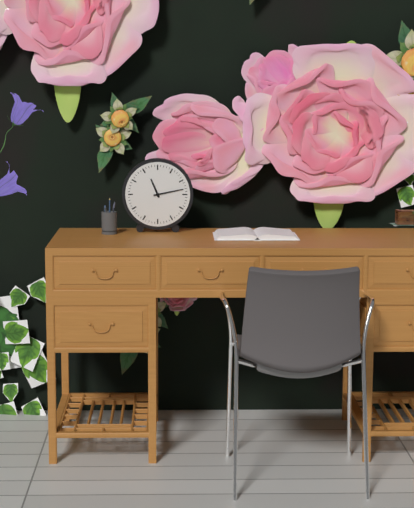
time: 11:13
